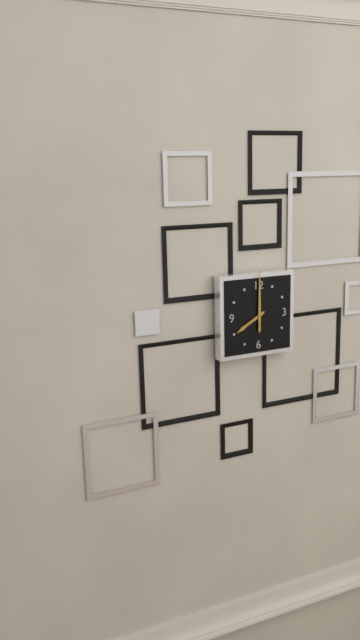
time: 8:00
